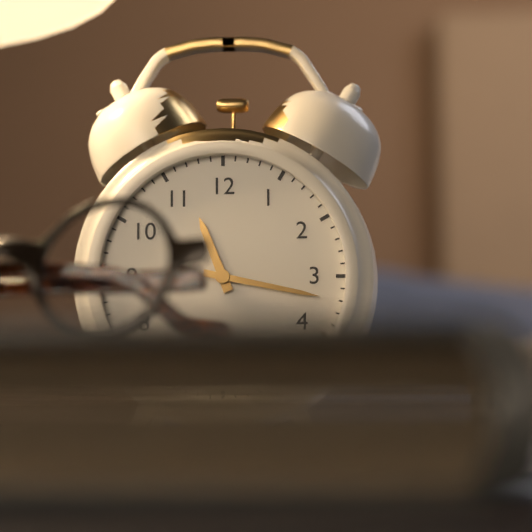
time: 11:17
